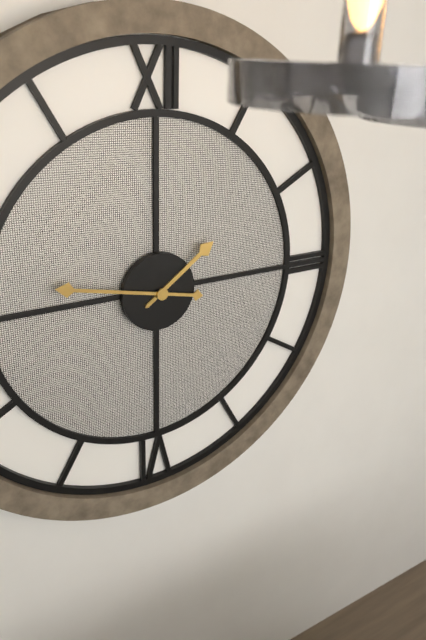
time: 1:47
